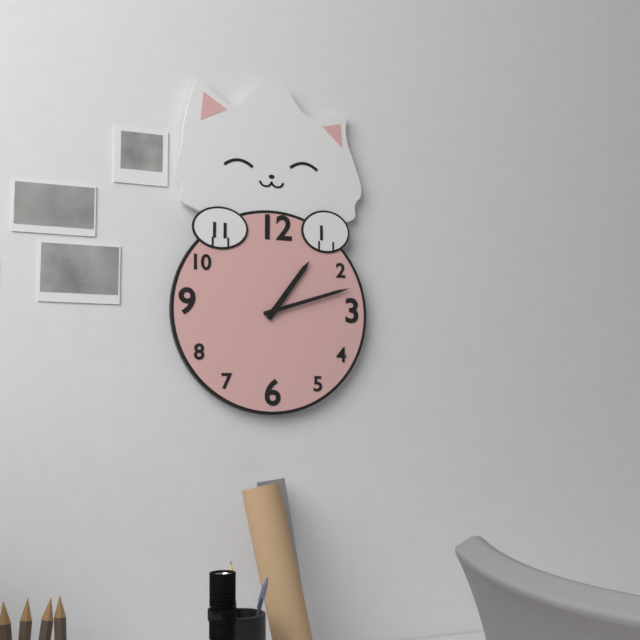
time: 1:12
